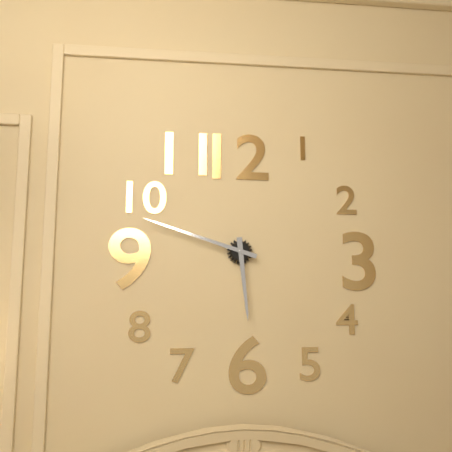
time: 5:48
